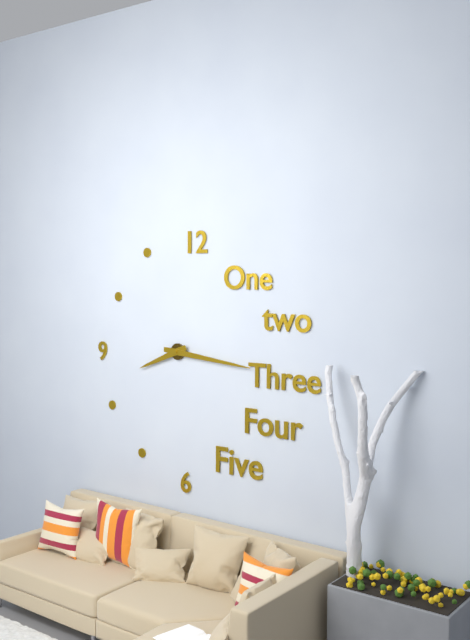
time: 8:16
